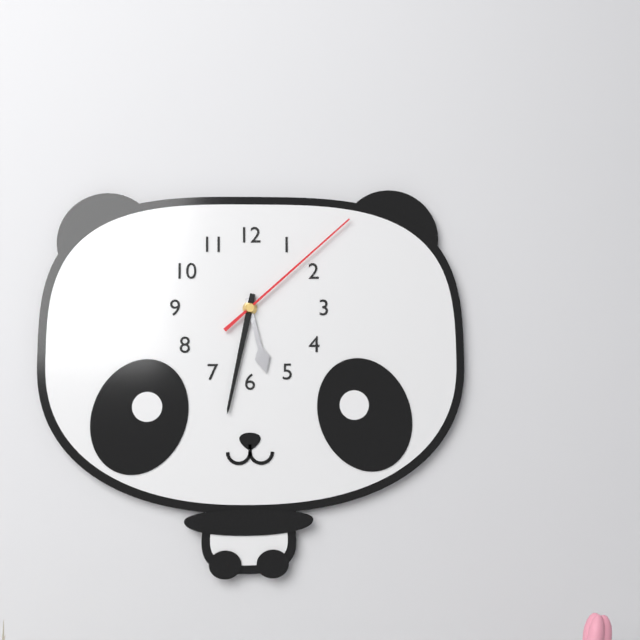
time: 5:32:08
